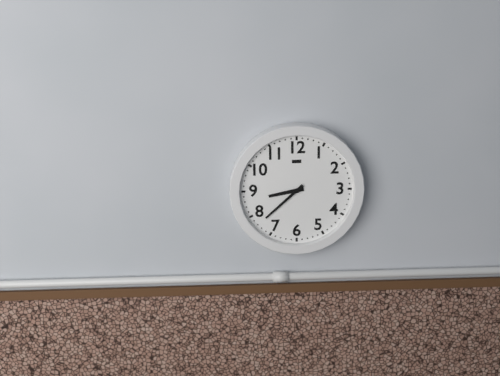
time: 8:38
